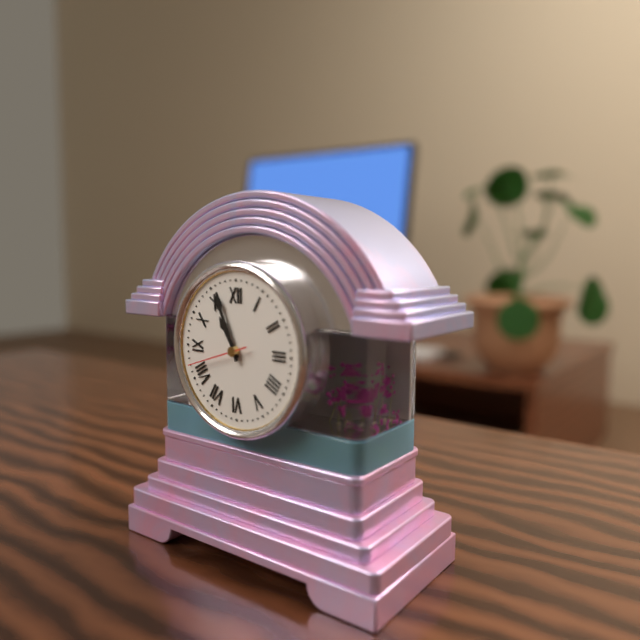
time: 10:56:42
